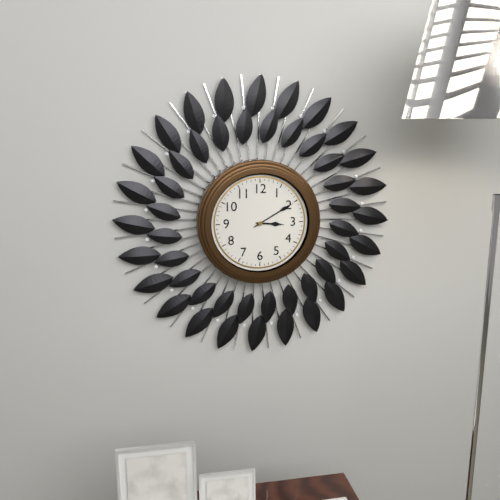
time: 3:10
